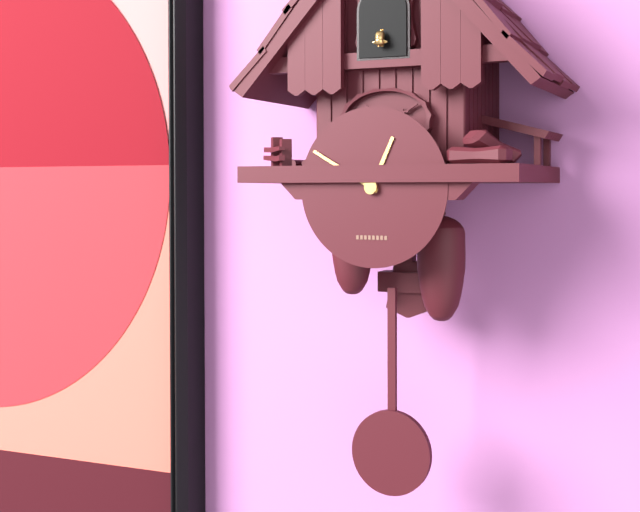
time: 12:50
